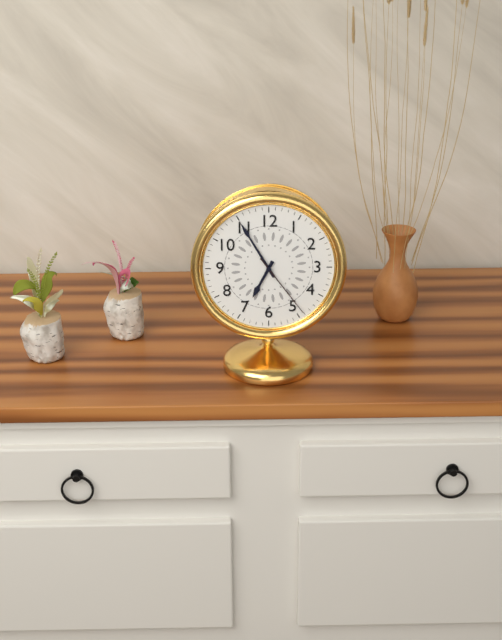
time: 6:55:24
